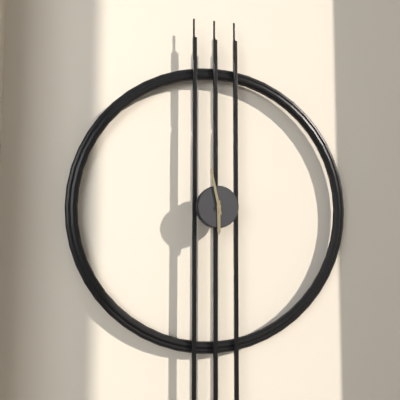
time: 5:58
